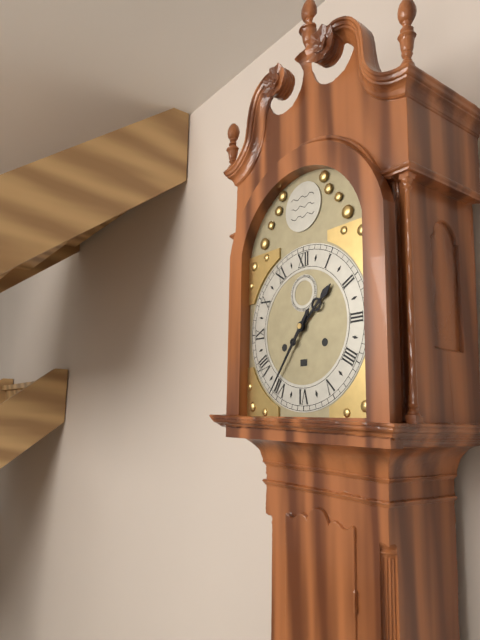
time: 1:36
